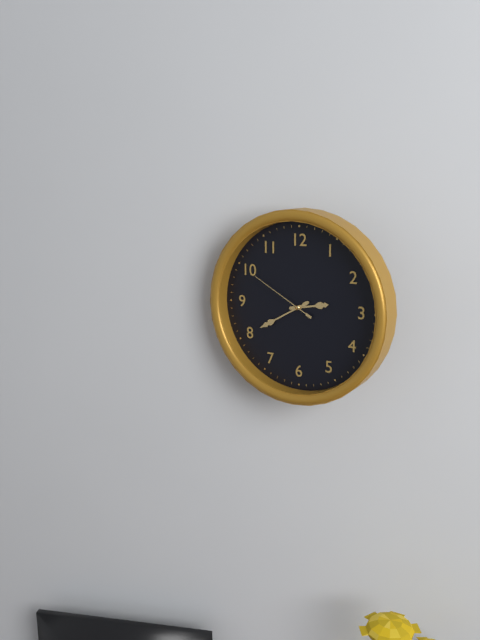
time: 2:40:50
